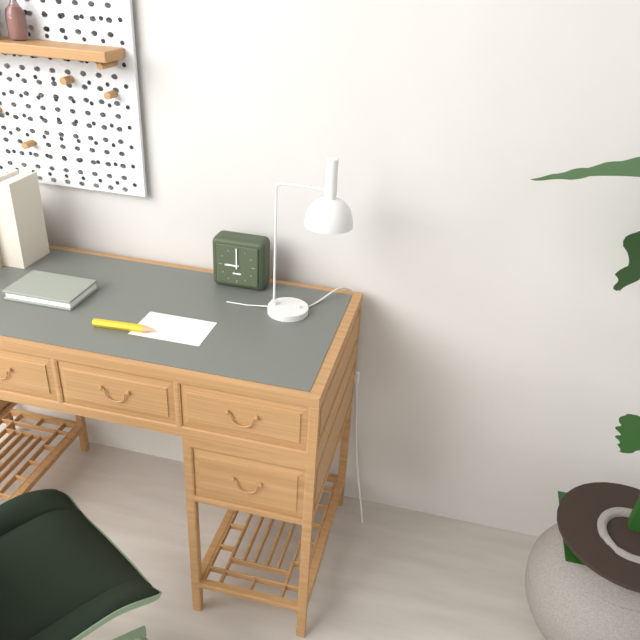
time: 9:00
